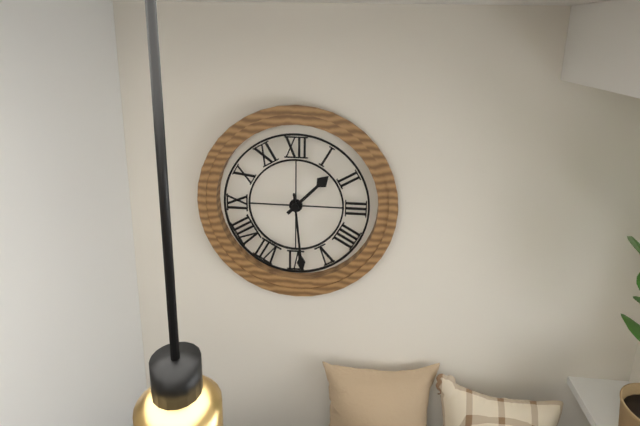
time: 1:29
